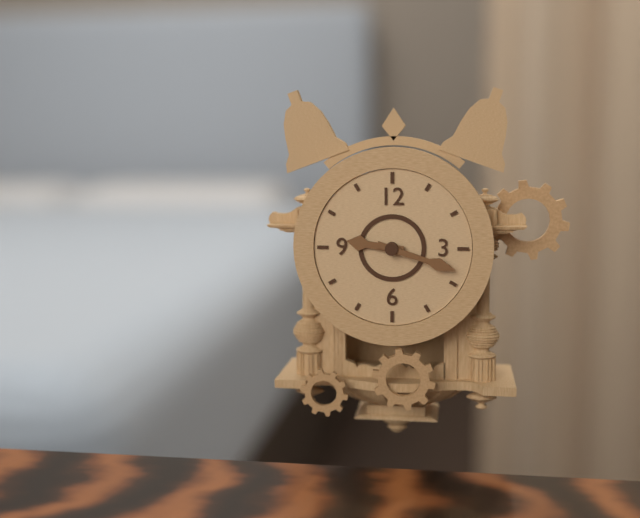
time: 9:18
